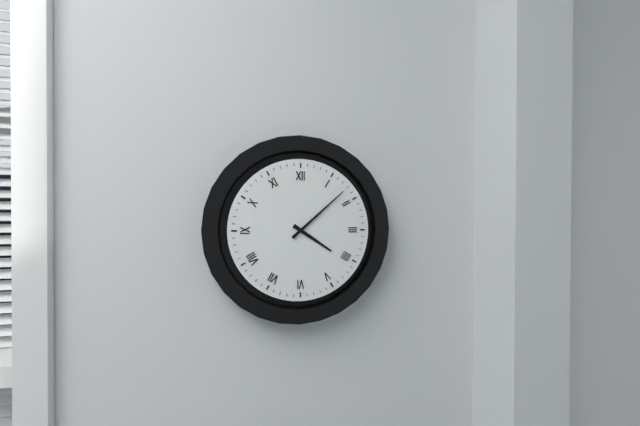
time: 4:08
